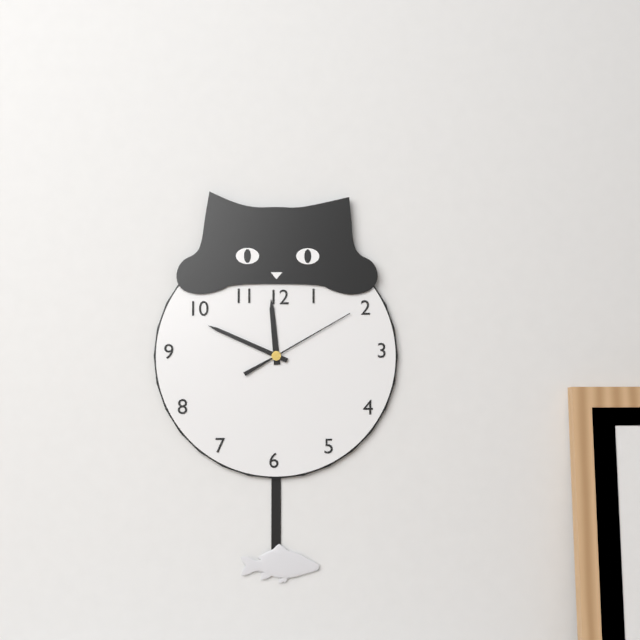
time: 11:49:10
